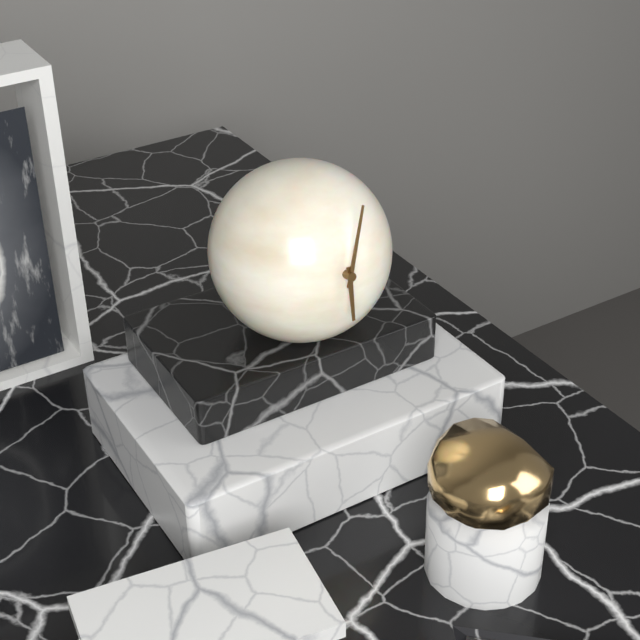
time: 6:03
